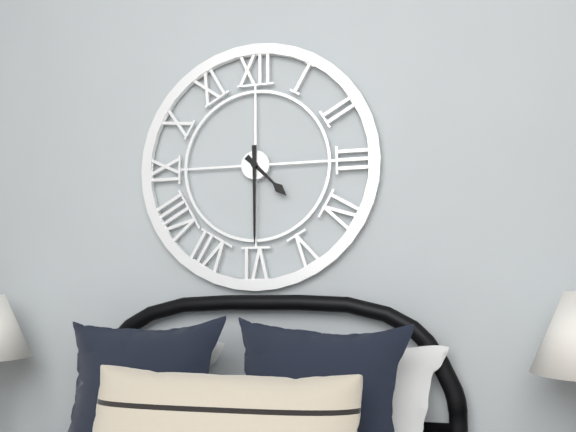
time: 4:30
